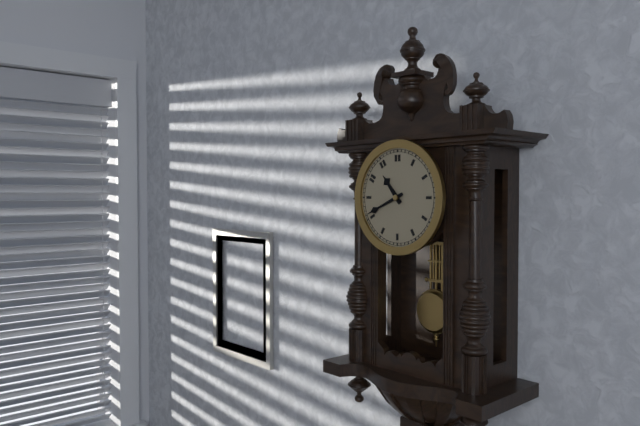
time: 10:41
